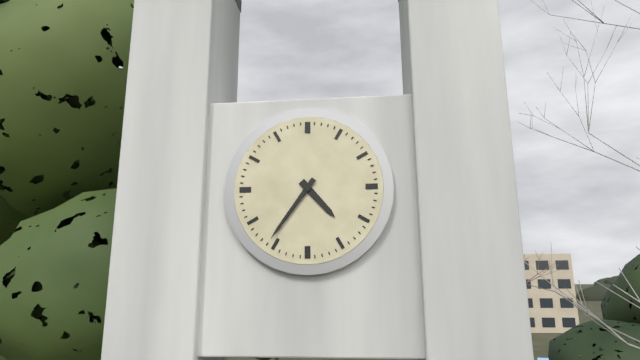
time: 4:36
